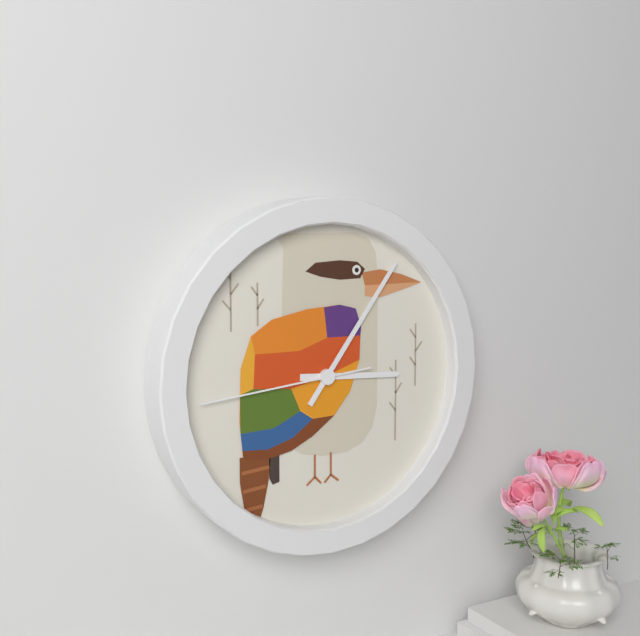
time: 3:06:44
